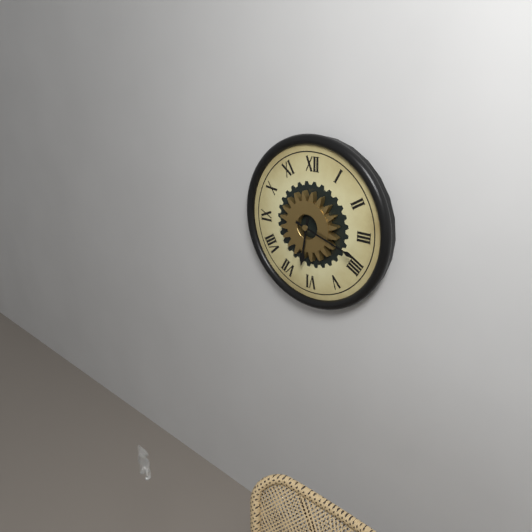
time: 6:18
